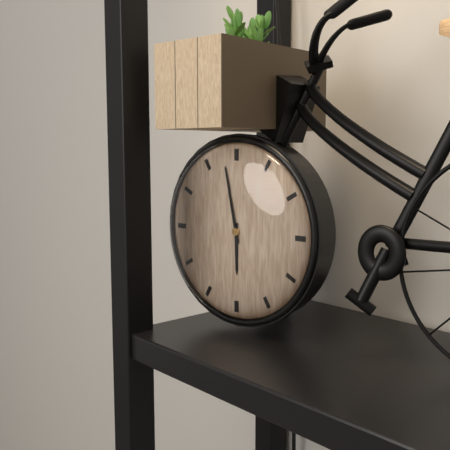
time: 5:58
